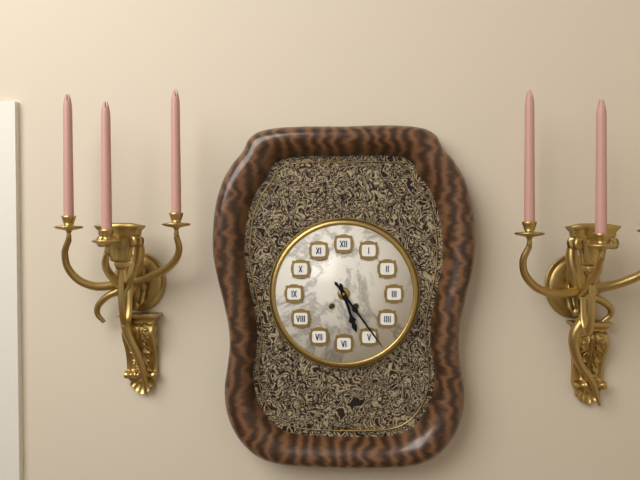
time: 5:24
